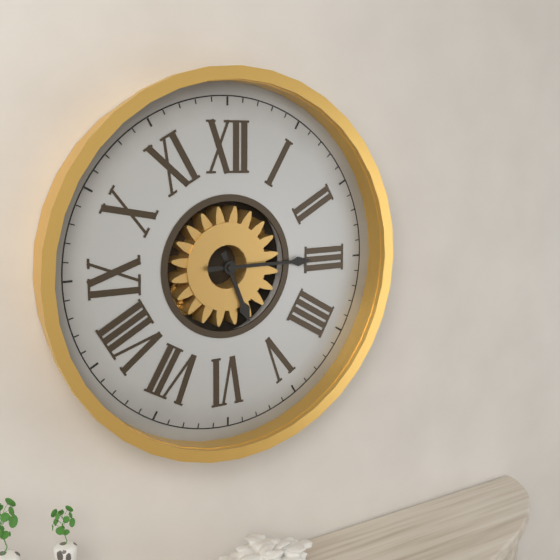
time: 5:15
